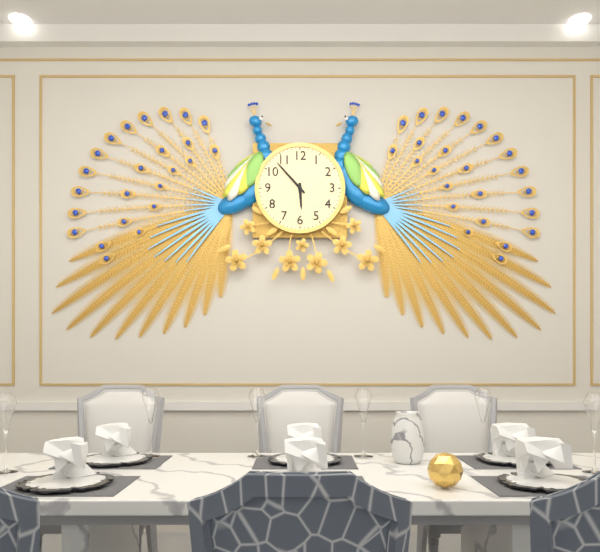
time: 5:53
